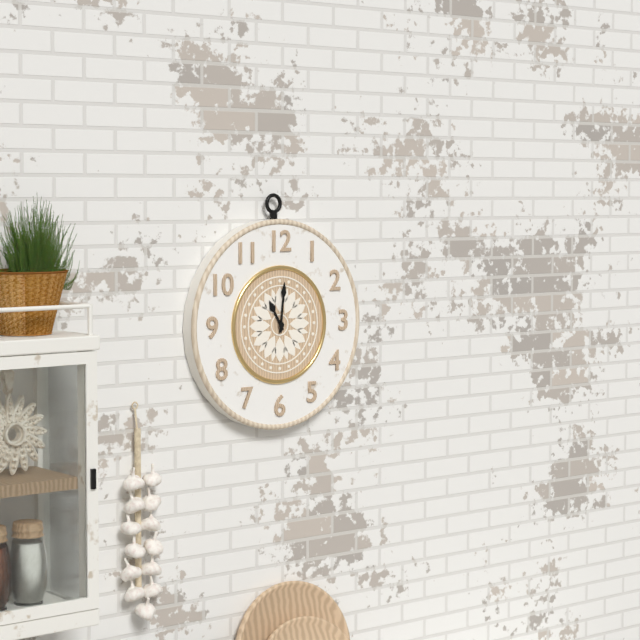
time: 11:01
